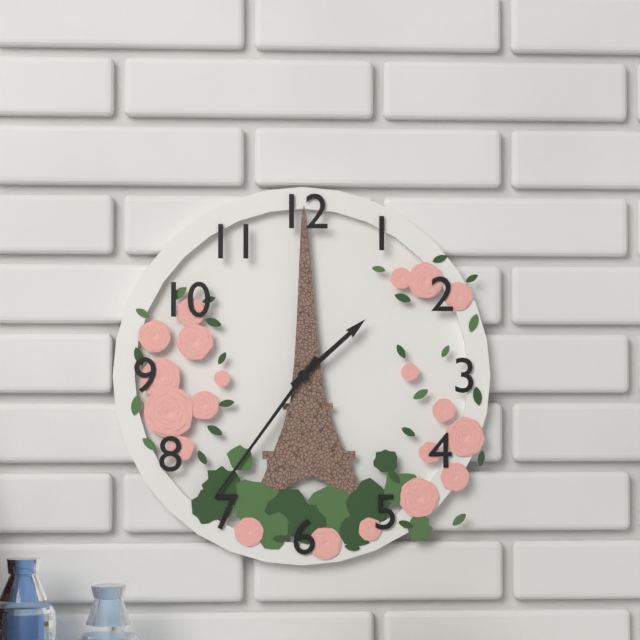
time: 1:36
